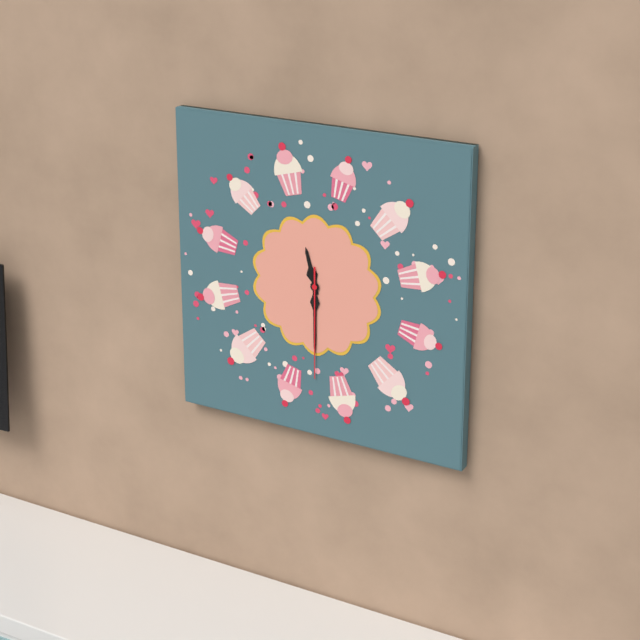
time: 11:30:30
